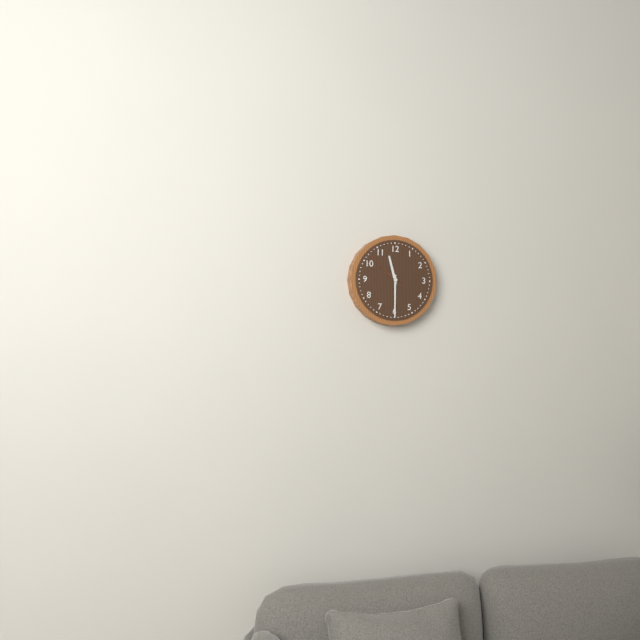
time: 11:30
